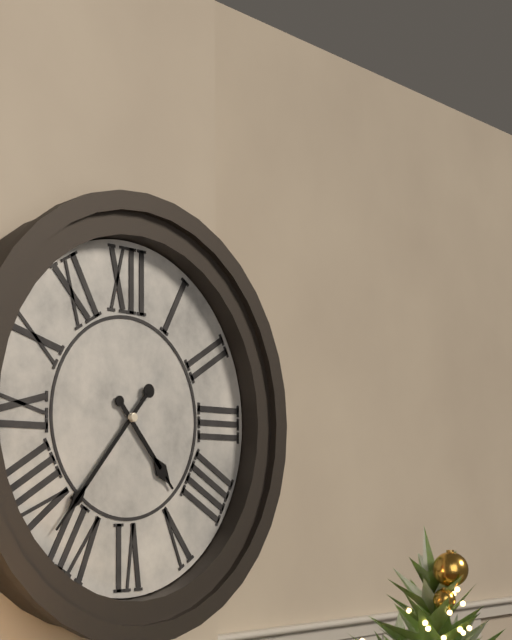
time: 4:37
